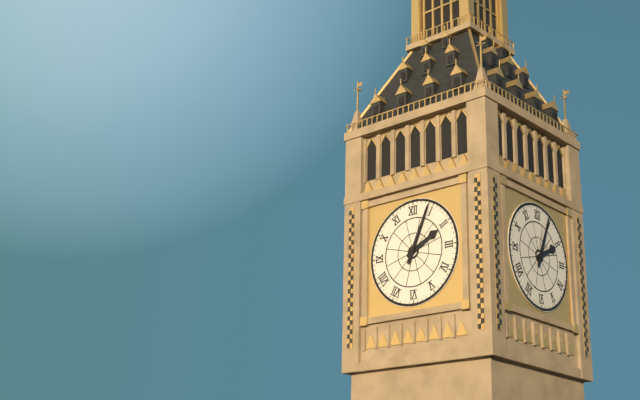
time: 2:04
